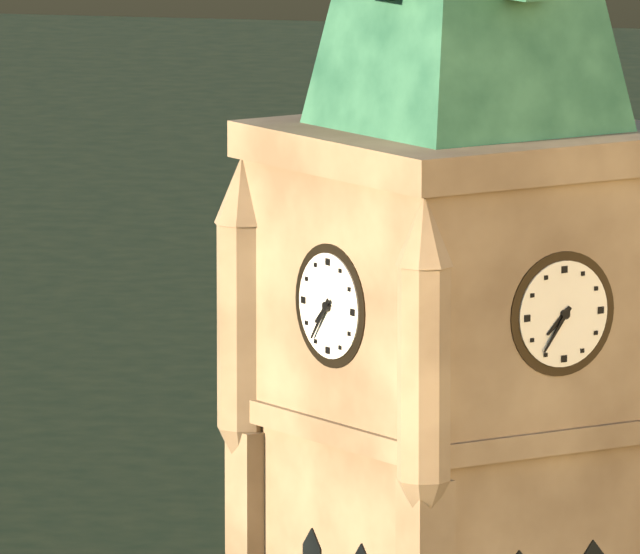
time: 7:36
